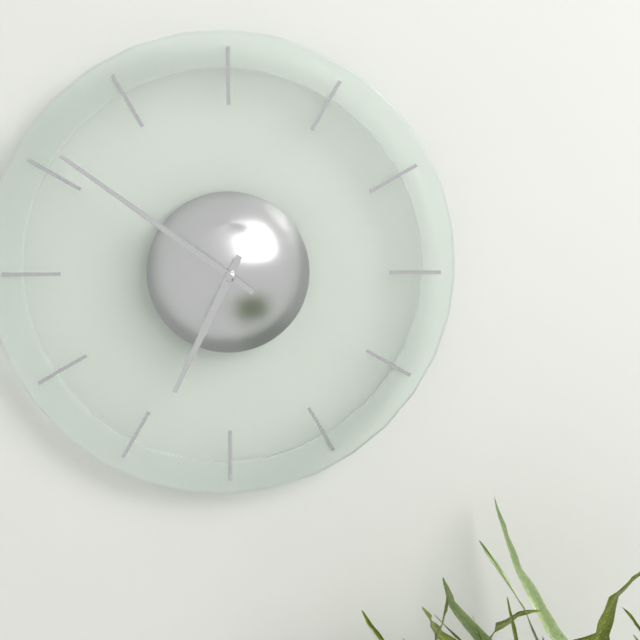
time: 6:51
